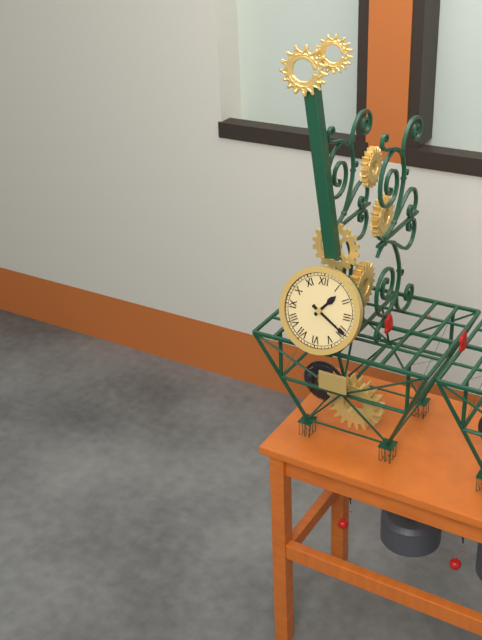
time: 1:20
